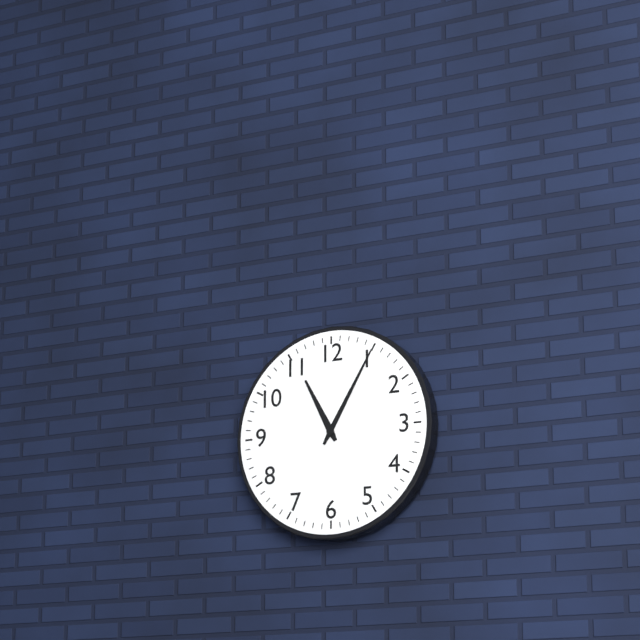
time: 11:05
